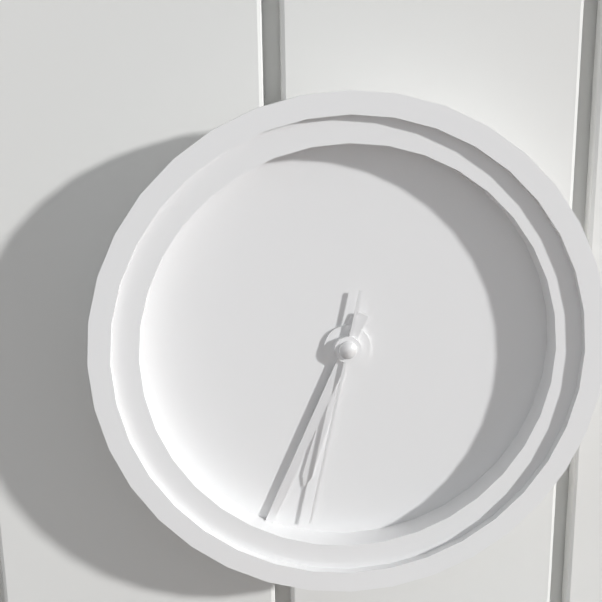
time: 6:34:32
